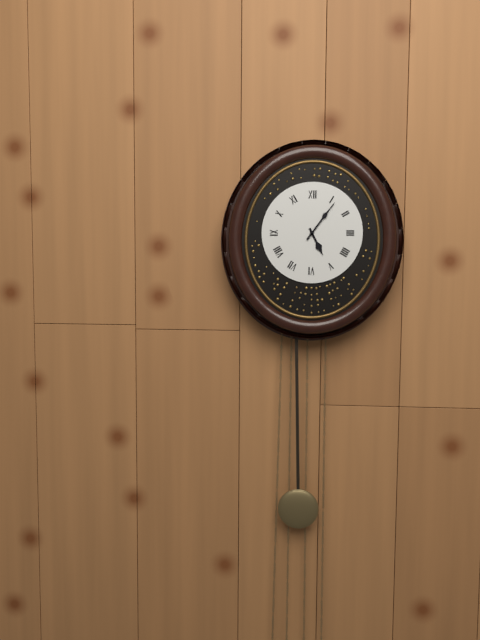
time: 5:06
